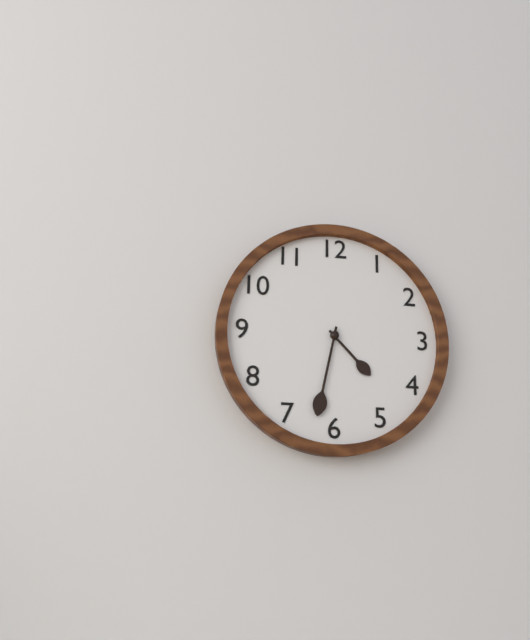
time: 4:32
